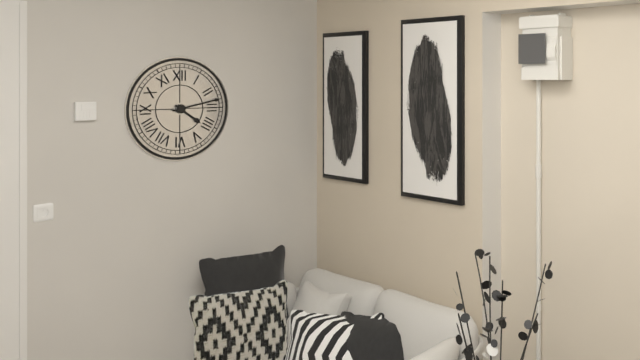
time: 4:13
